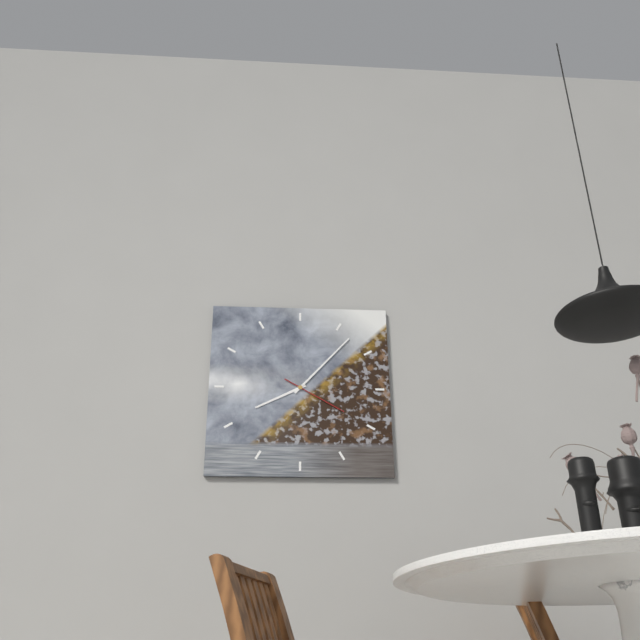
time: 8:07:20
